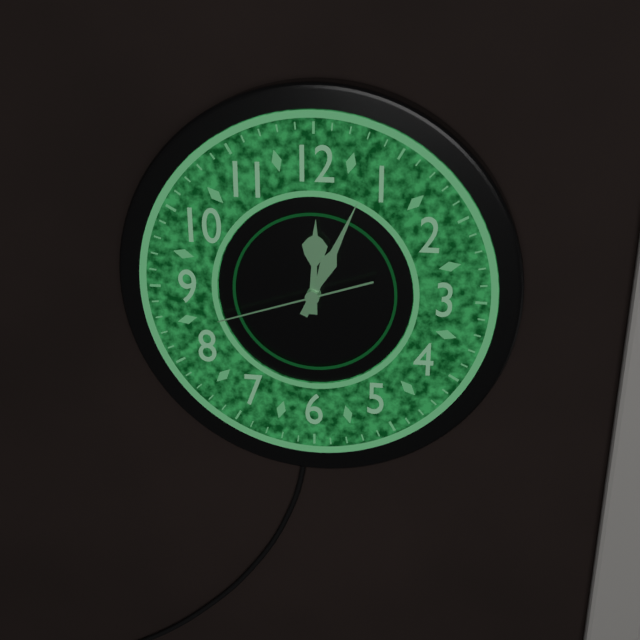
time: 12:04:42
